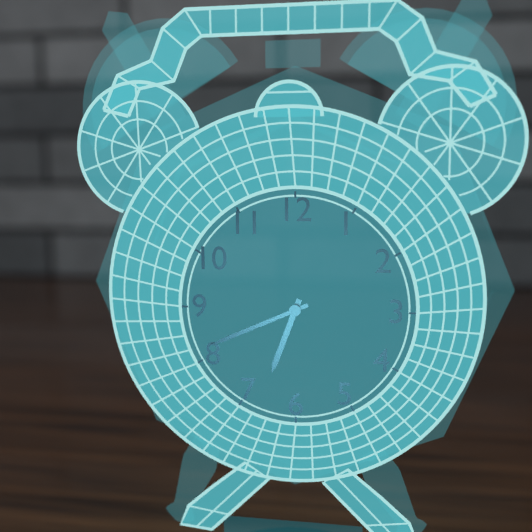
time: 6:41
